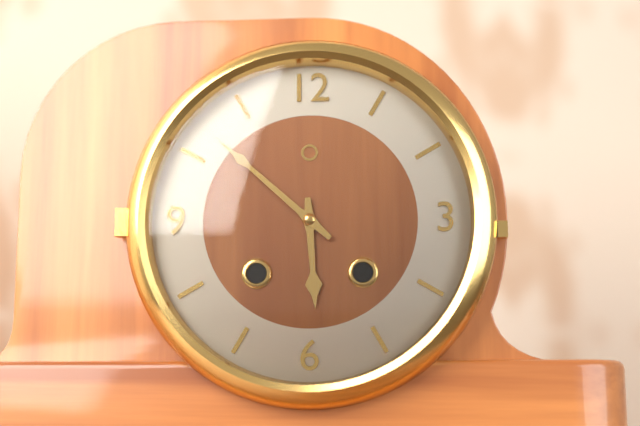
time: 5:52
